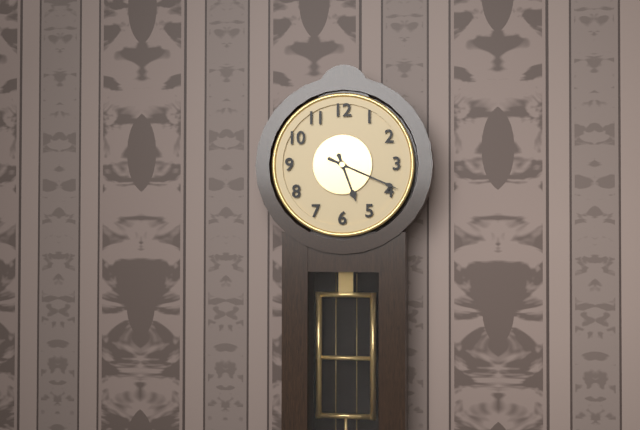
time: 5:19
